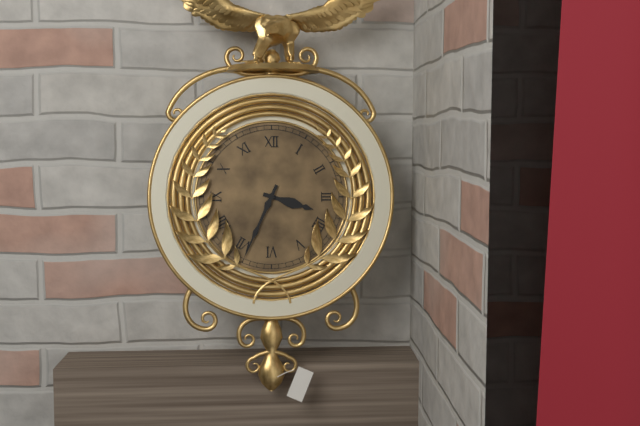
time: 3:34
